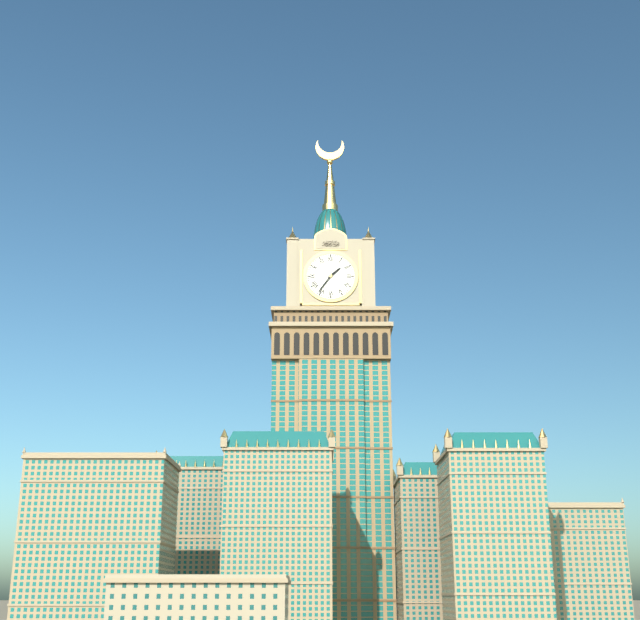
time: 1:36
